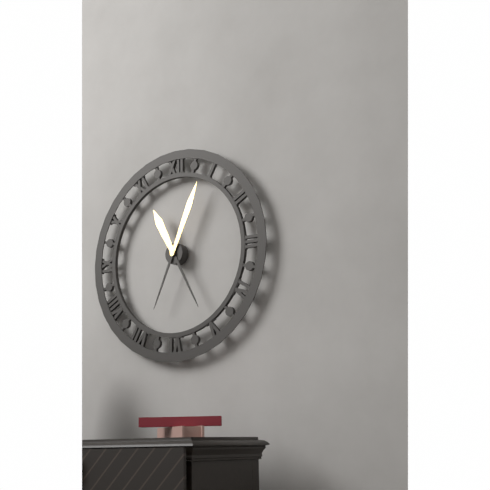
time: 11:04
